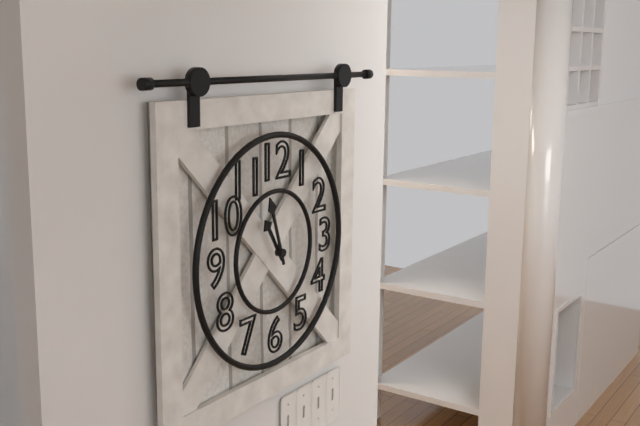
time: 10:57
